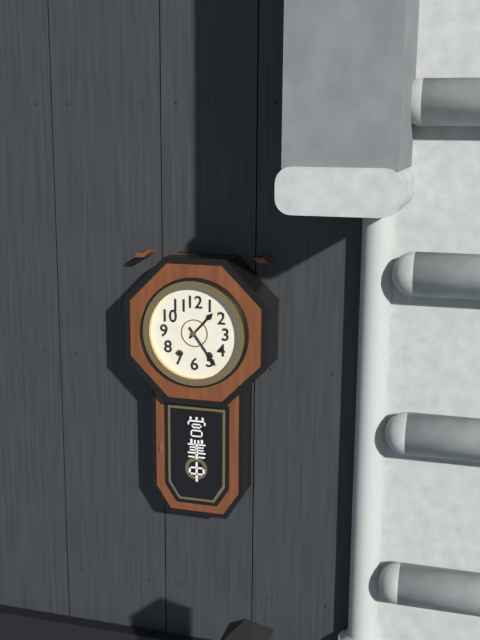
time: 1:24
